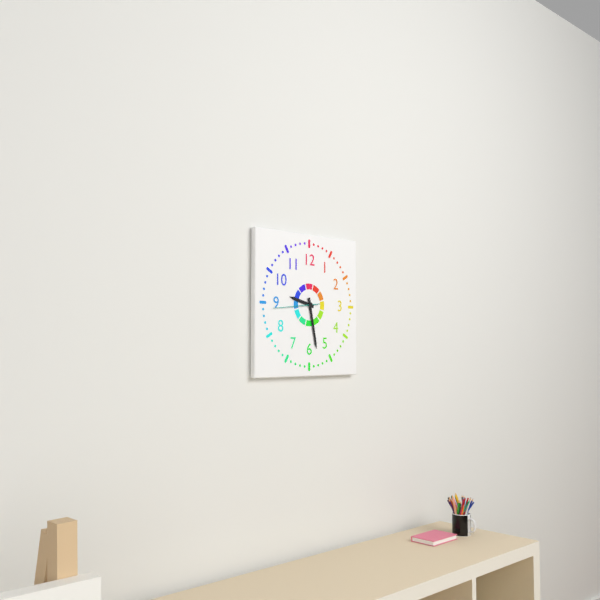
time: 9:28
